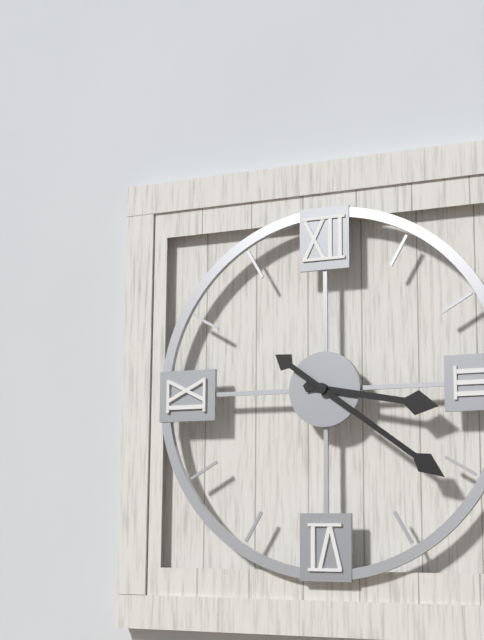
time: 3:21
